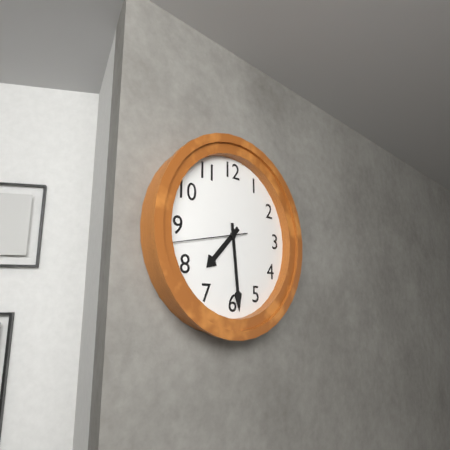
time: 7:29:43
